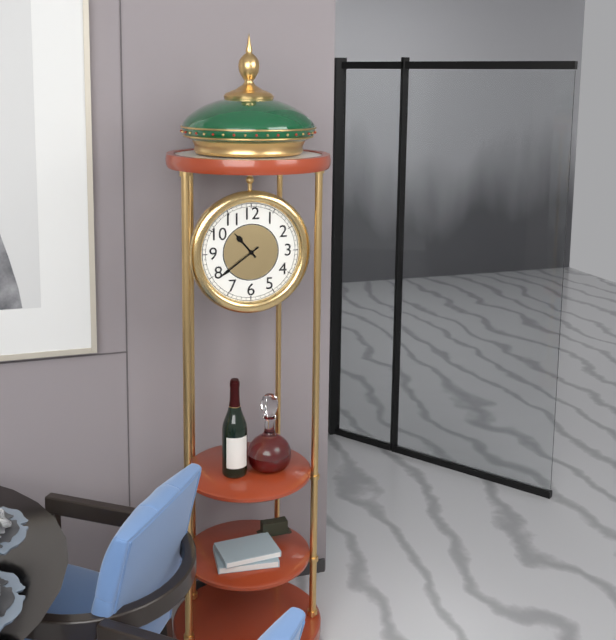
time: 10:39
